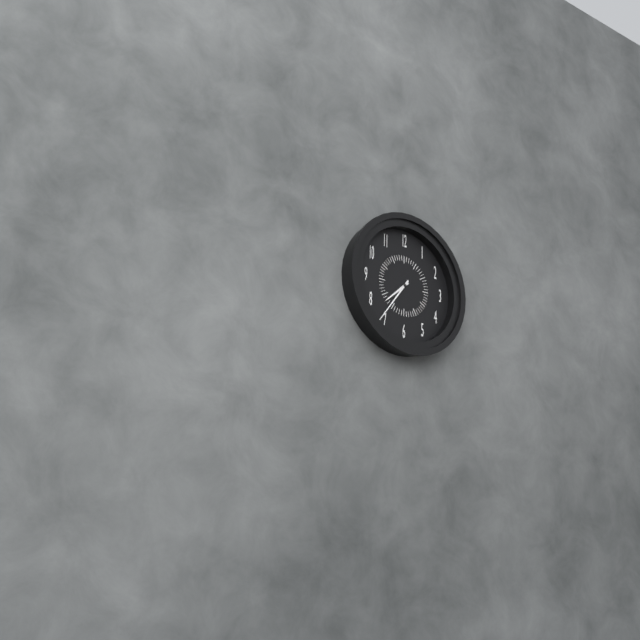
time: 7:36
